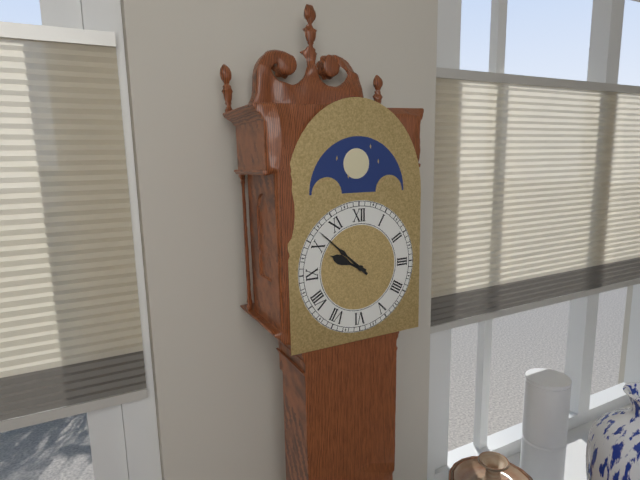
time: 9:52
